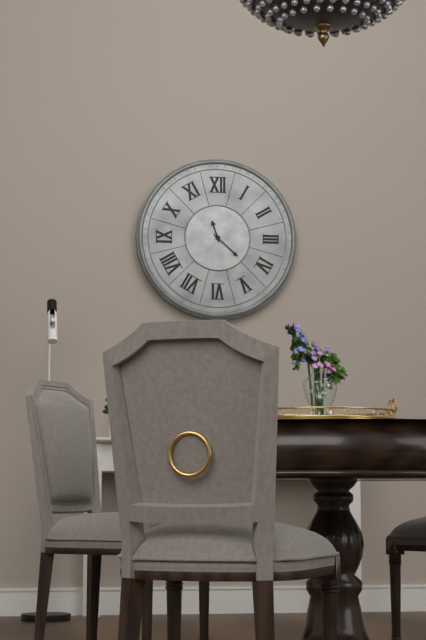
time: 11:22
